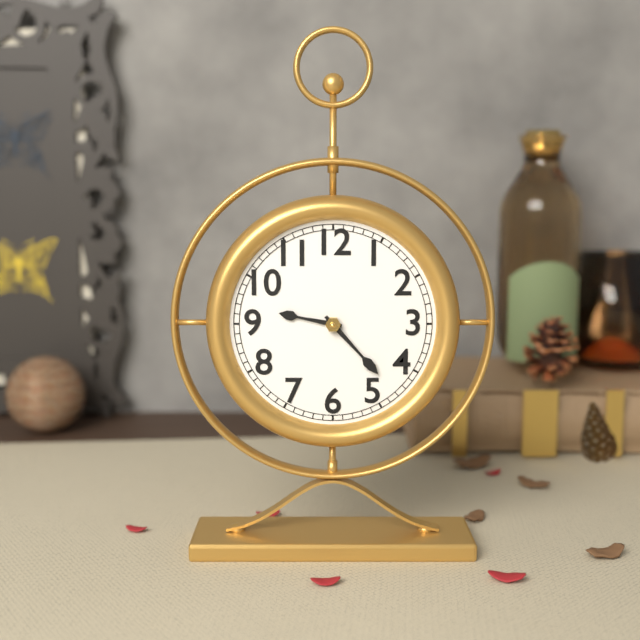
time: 9:23
